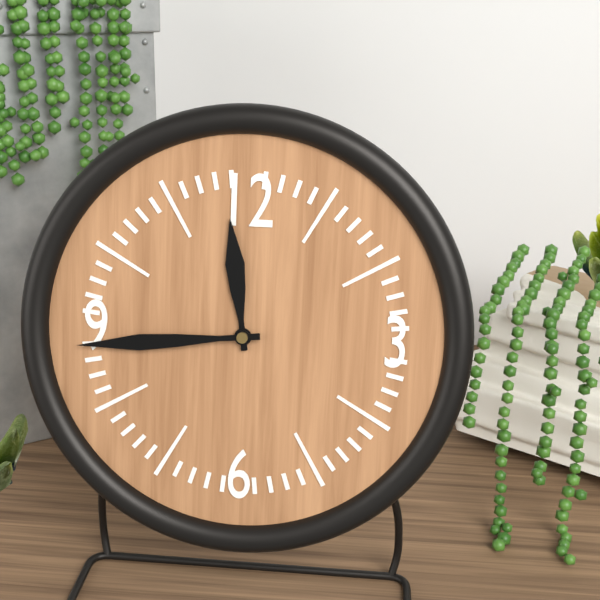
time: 11:44
